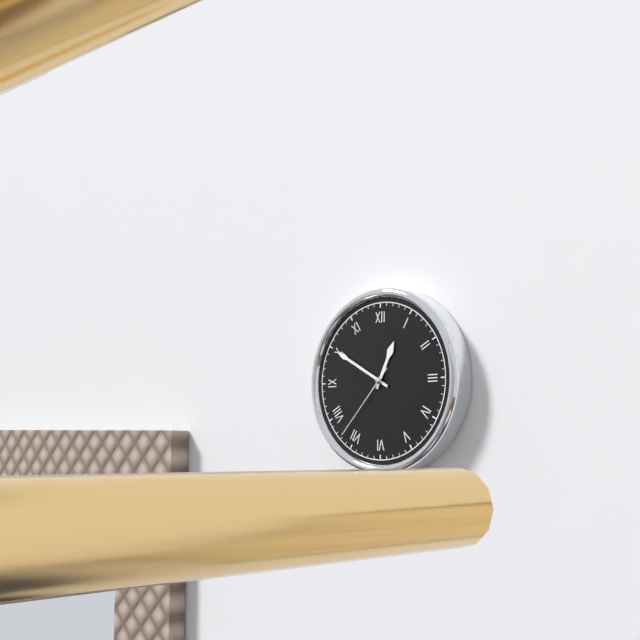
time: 12:50:37
